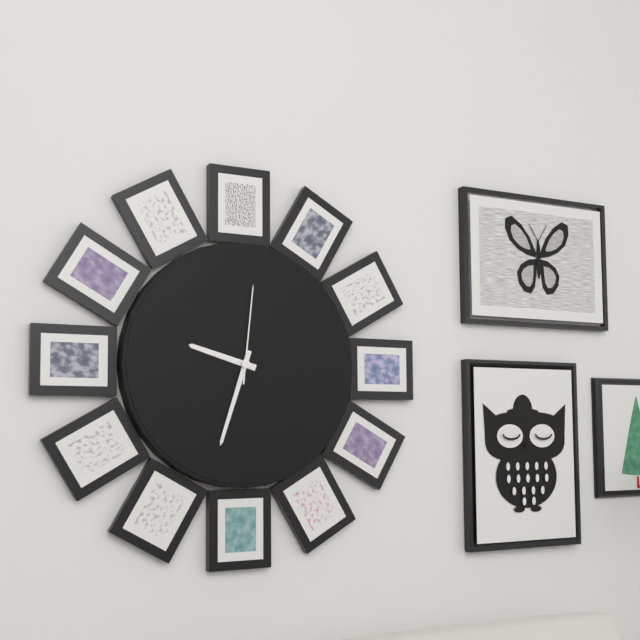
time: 9:33:01
